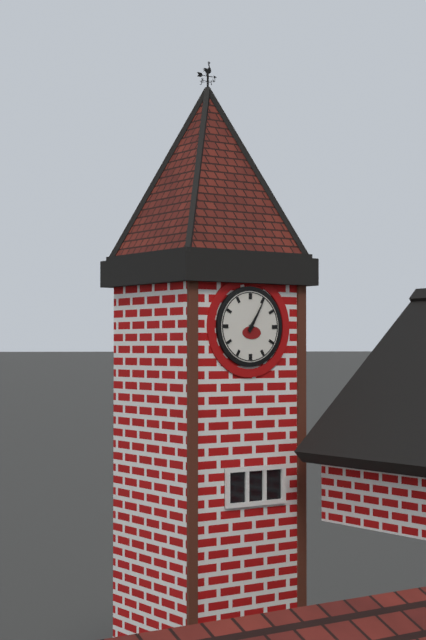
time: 1:05
